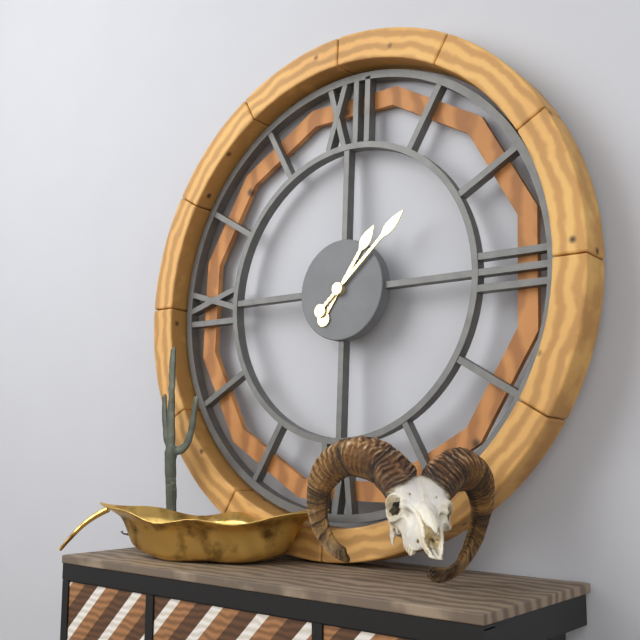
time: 1:08
